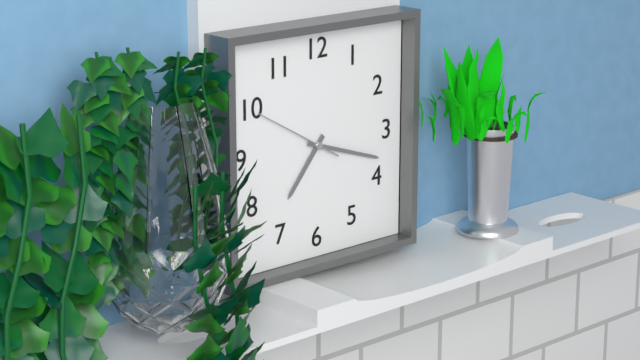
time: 7:18:50
